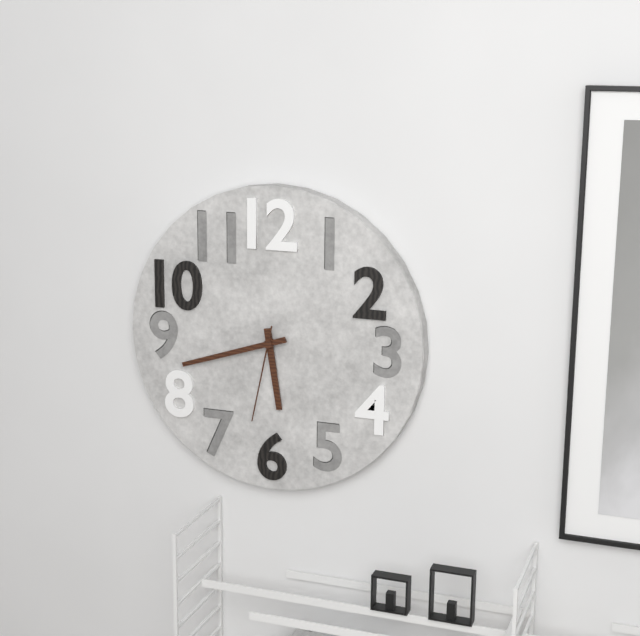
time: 5:42:32
